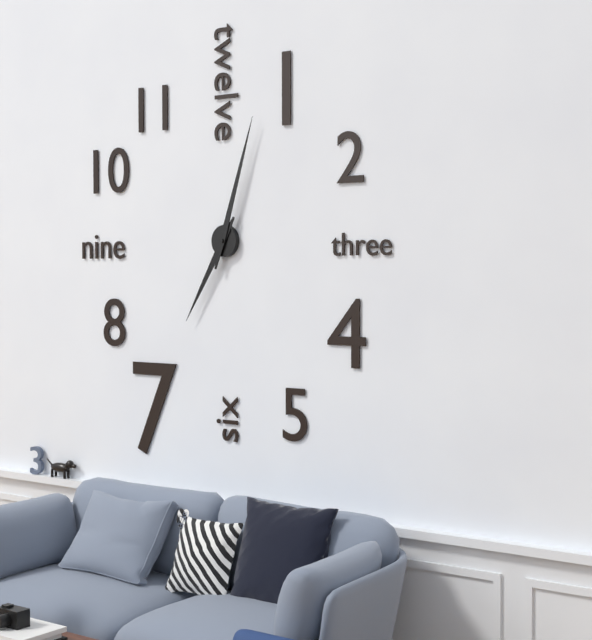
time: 7:03
